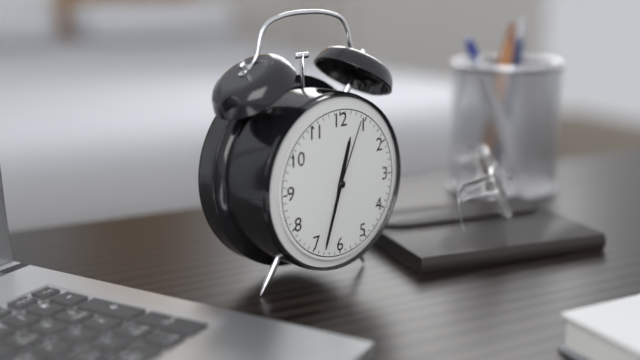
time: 12:33:04
